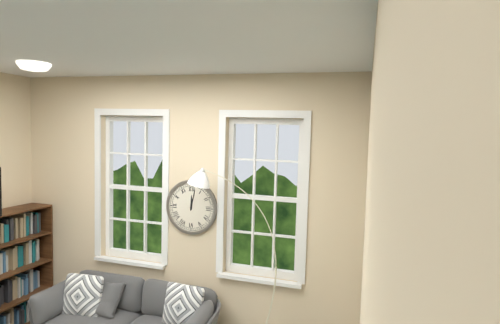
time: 12:02
